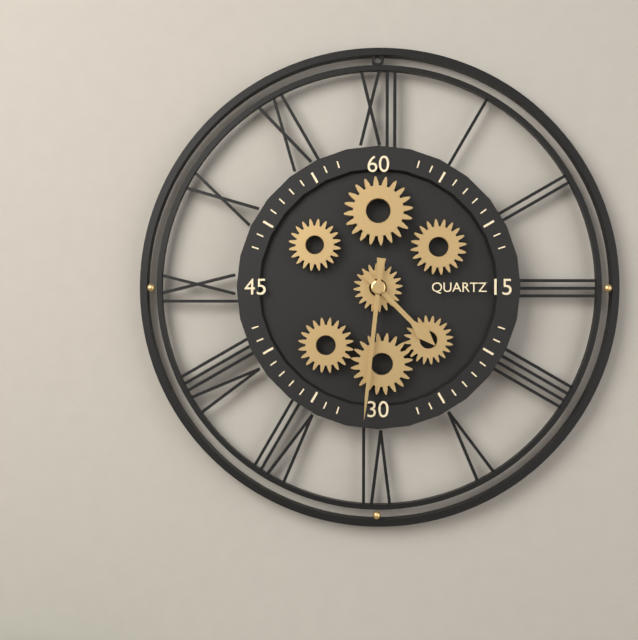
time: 4:31
